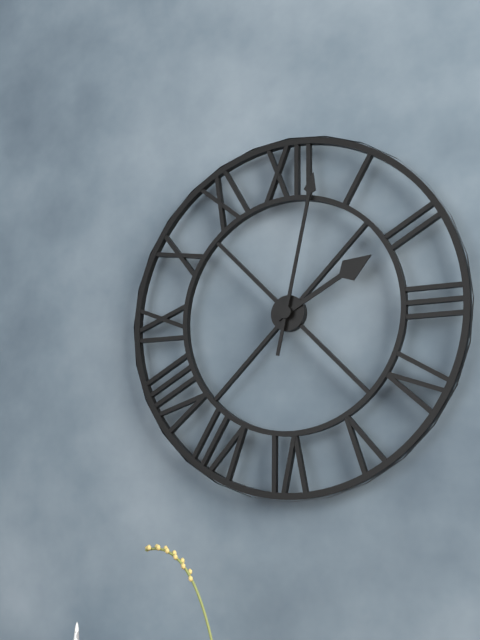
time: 2:02
